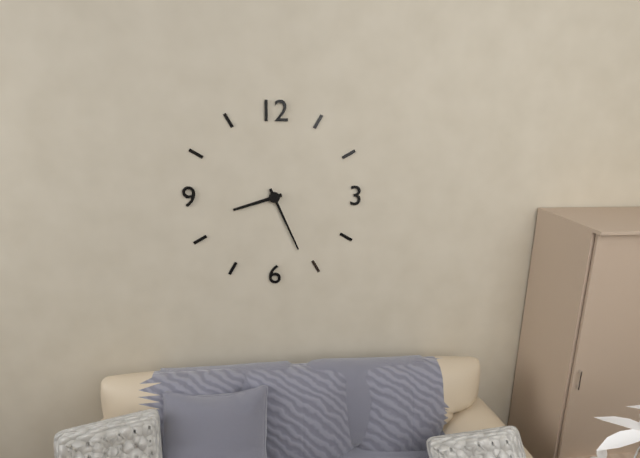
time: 8:26
